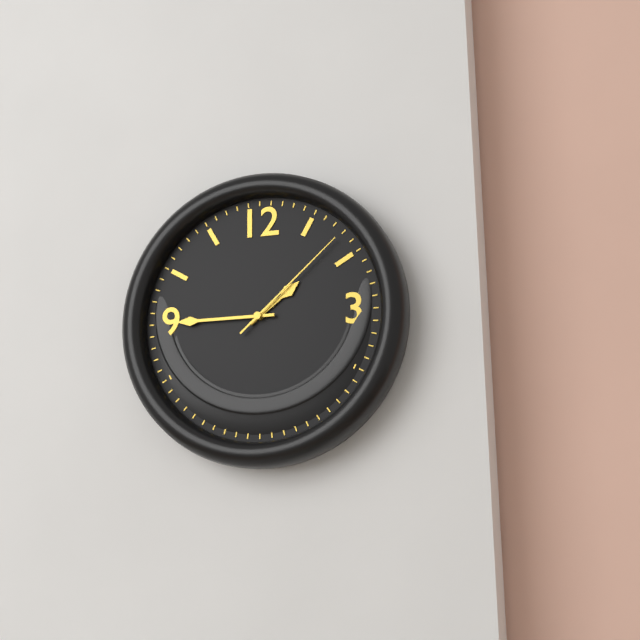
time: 1:45:08
